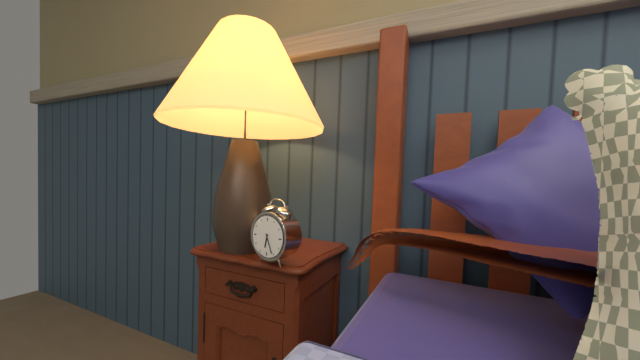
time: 6:26
